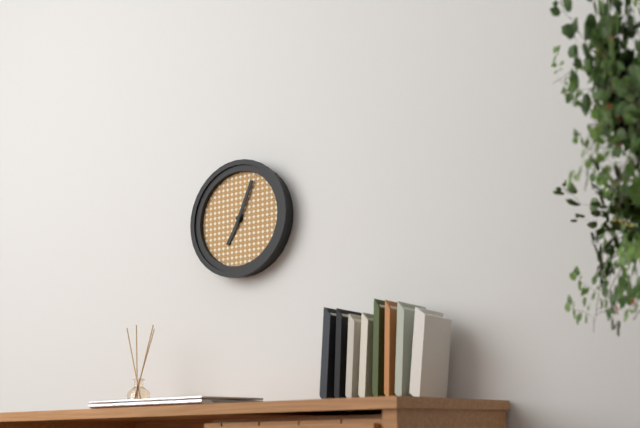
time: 7:04
